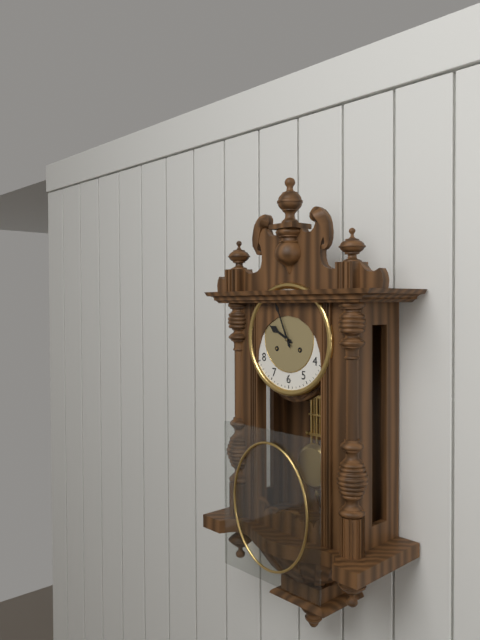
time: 9:56
